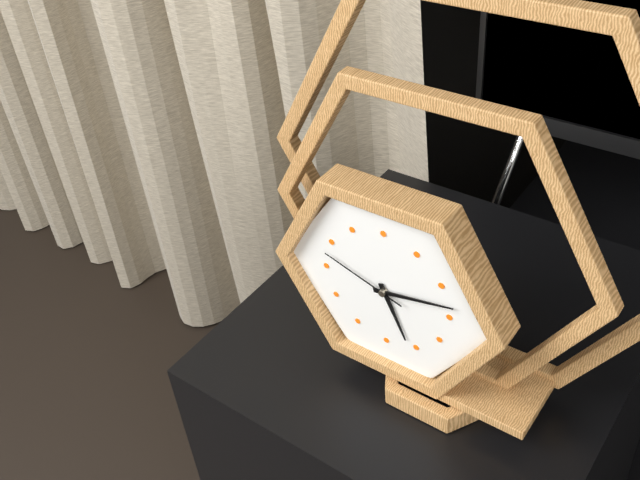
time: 5:13:48
